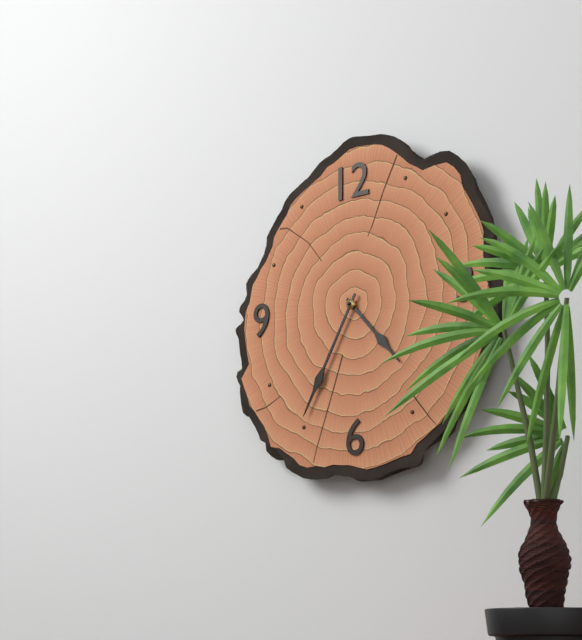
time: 4:35
